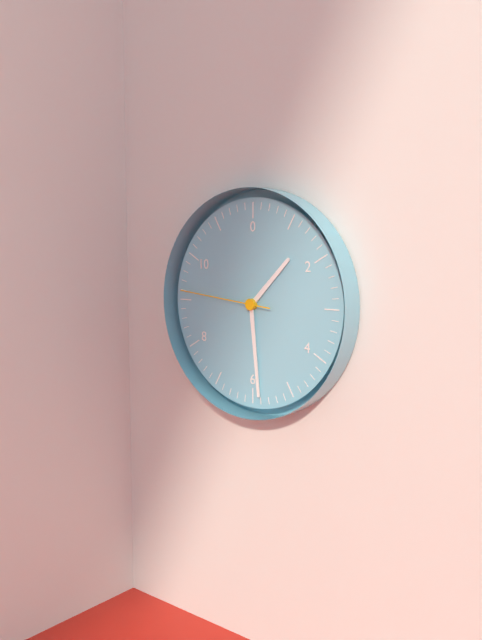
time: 1:29:46
